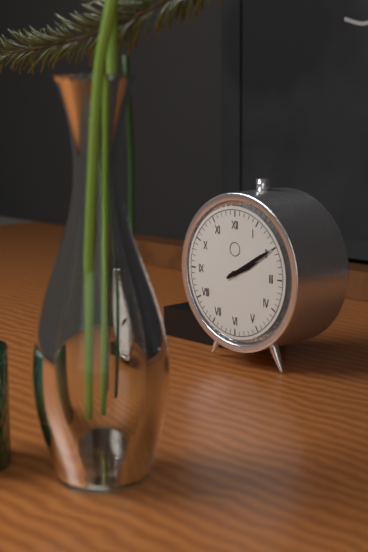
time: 2:10
